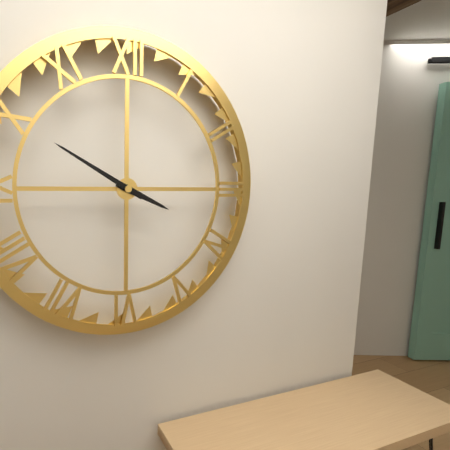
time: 3:50
